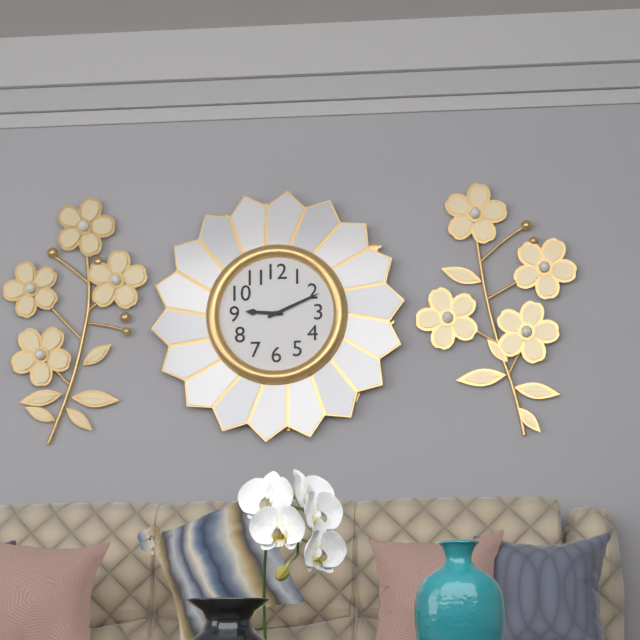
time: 9:11
